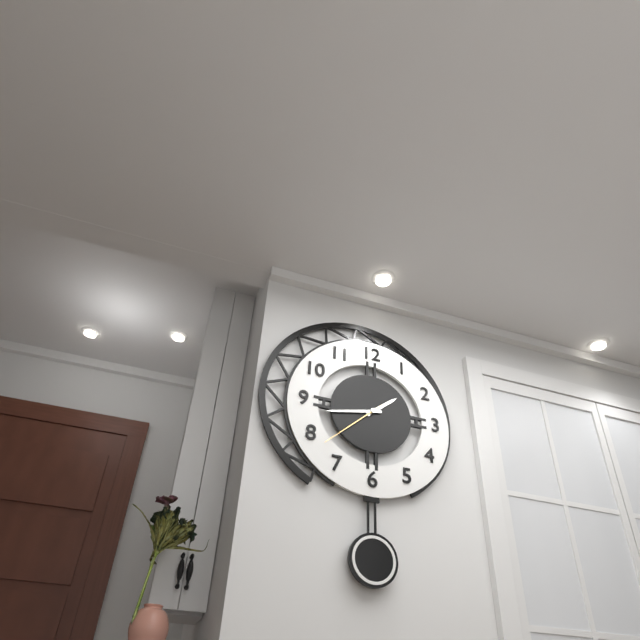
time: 1:43:38
